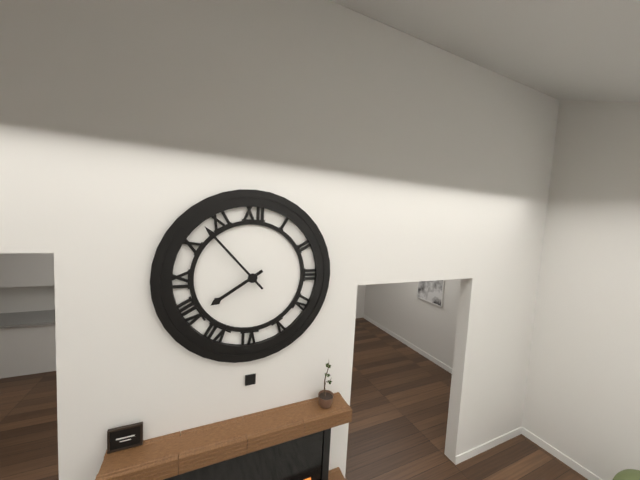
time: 7:53
